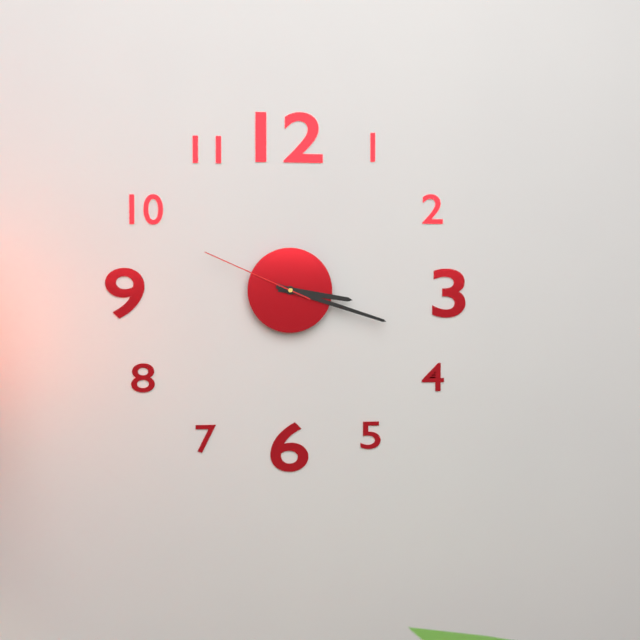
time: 3:18:49
